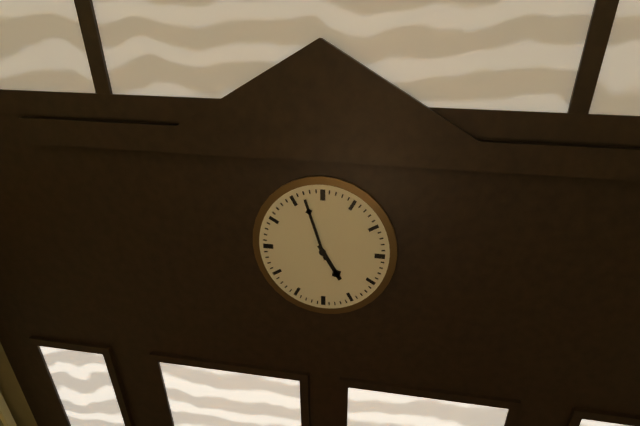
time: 4:57
